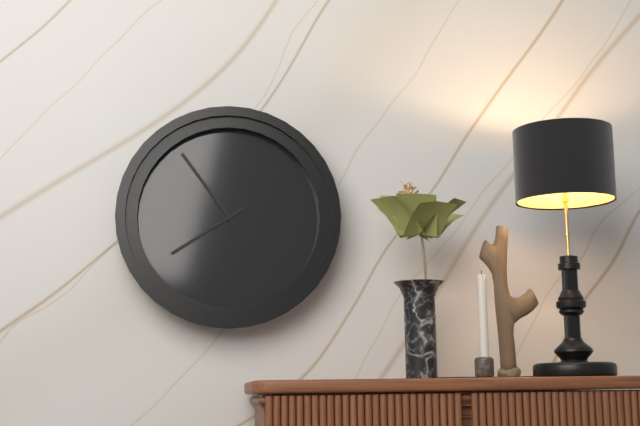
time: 7:54
